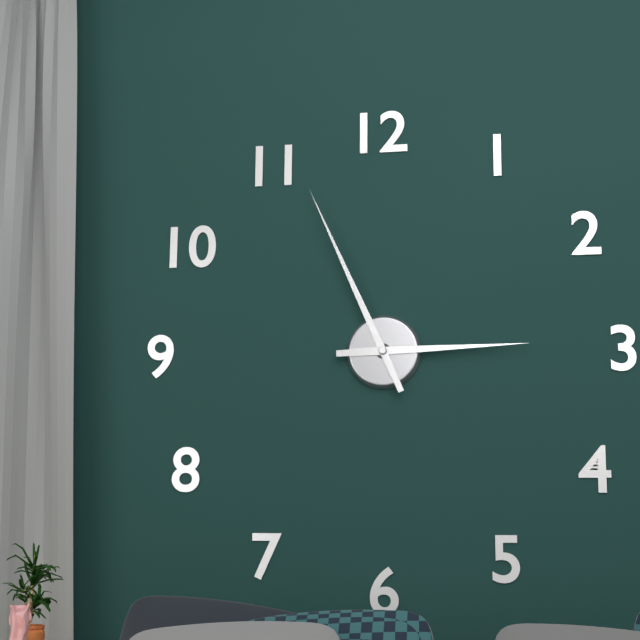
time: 2:56
